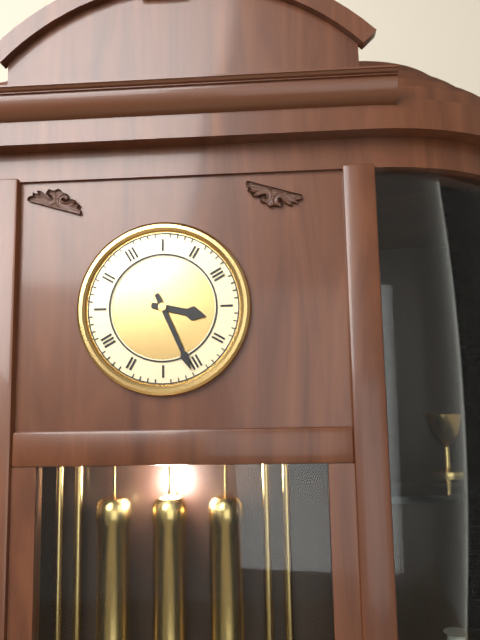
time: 3:26
